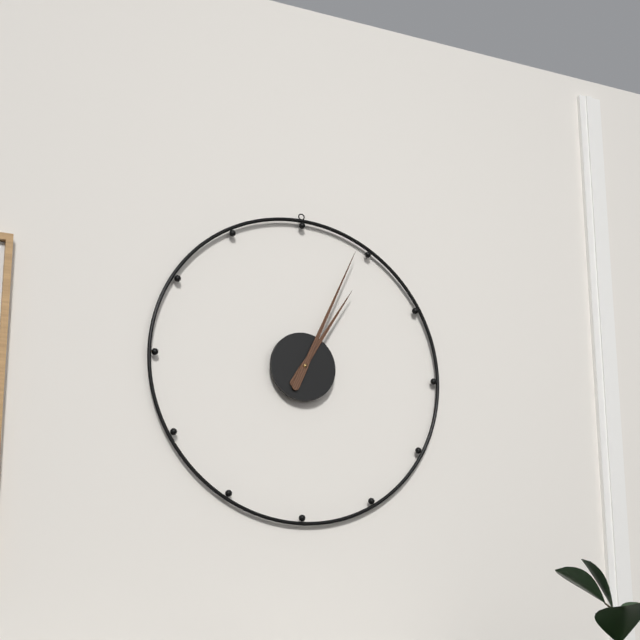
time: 1:04
